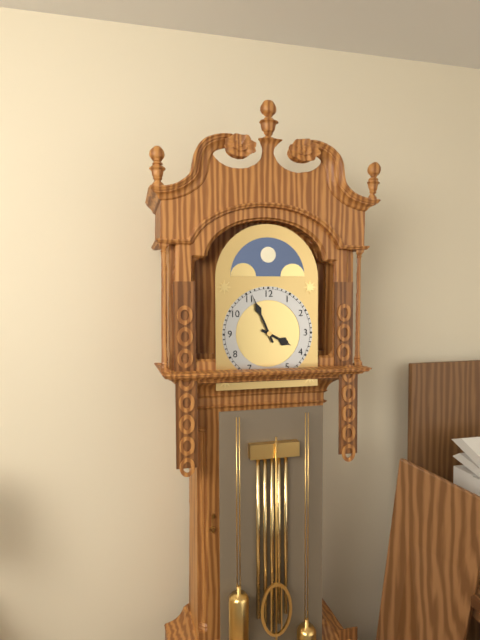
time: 3:56
